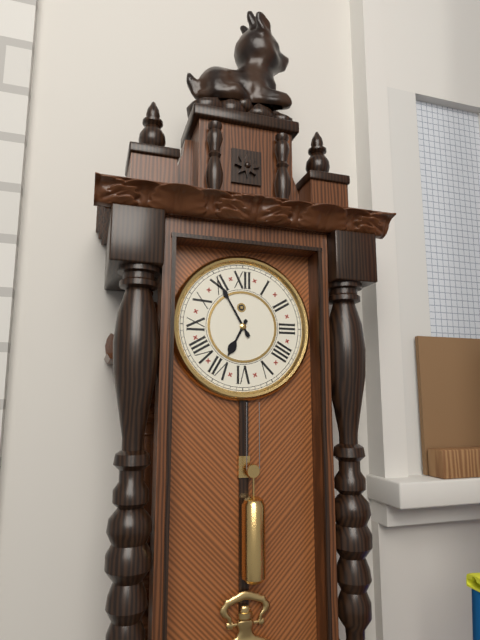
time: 6:55
